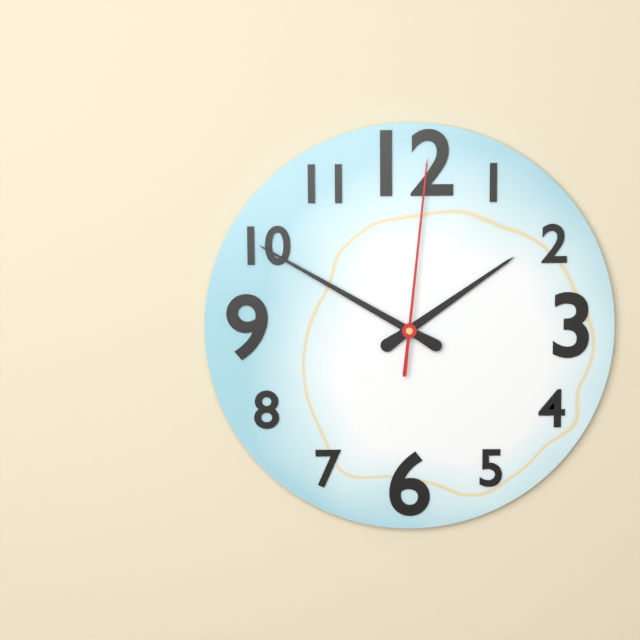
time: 1:50:01
